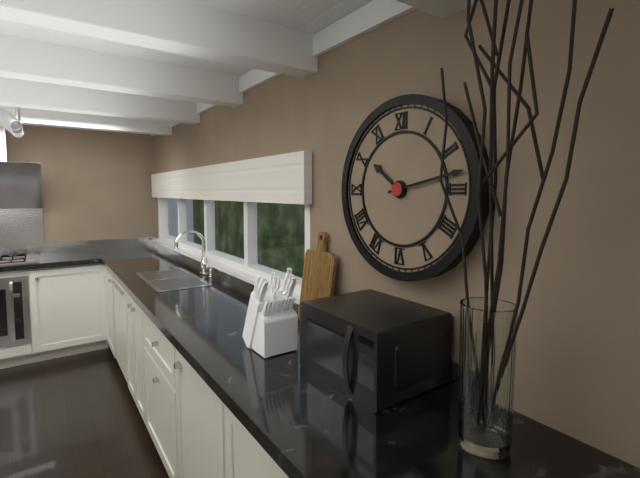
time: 10:13
